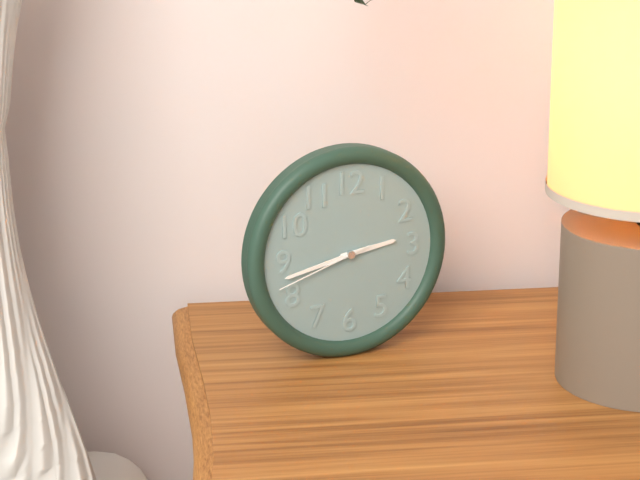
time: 2:43:42
